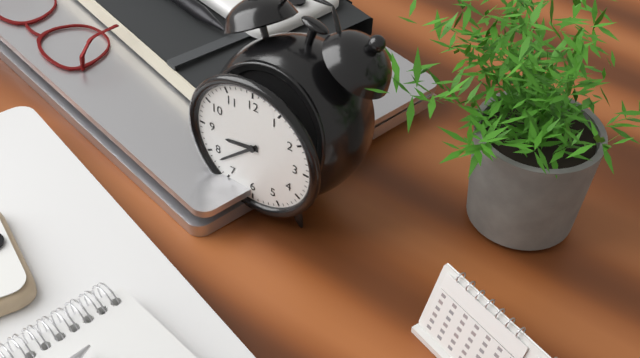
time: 8:38
